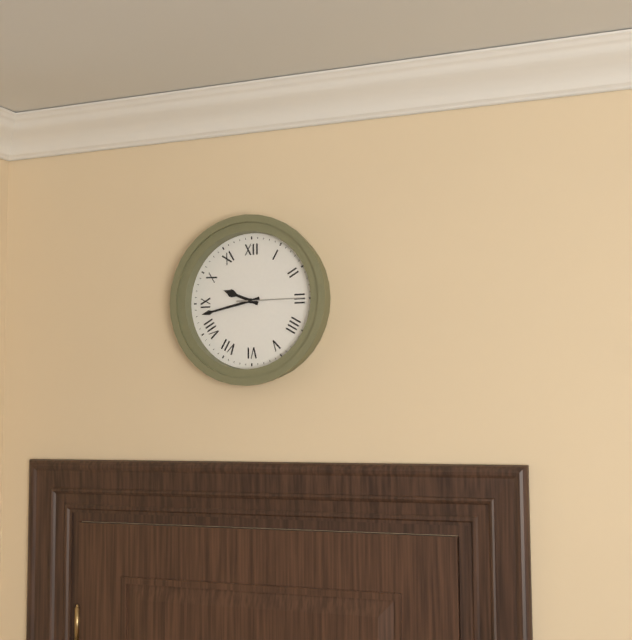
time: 9:43:15
